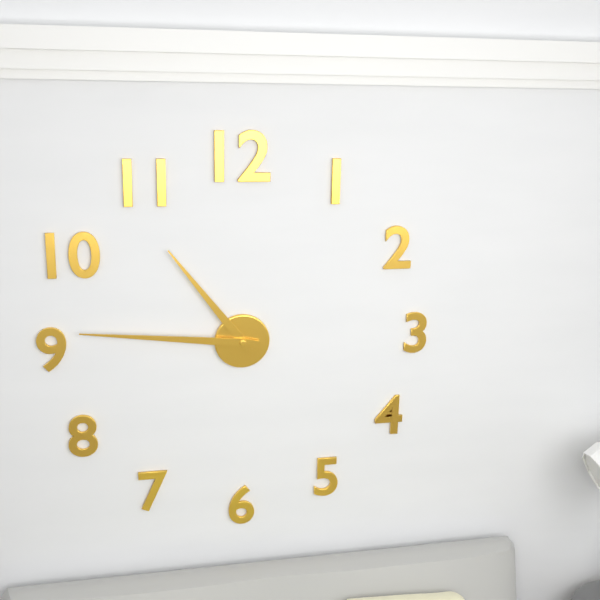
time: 10:46
